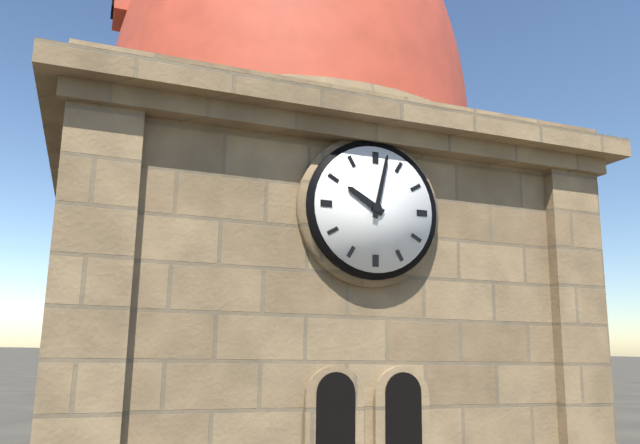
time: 10:02
